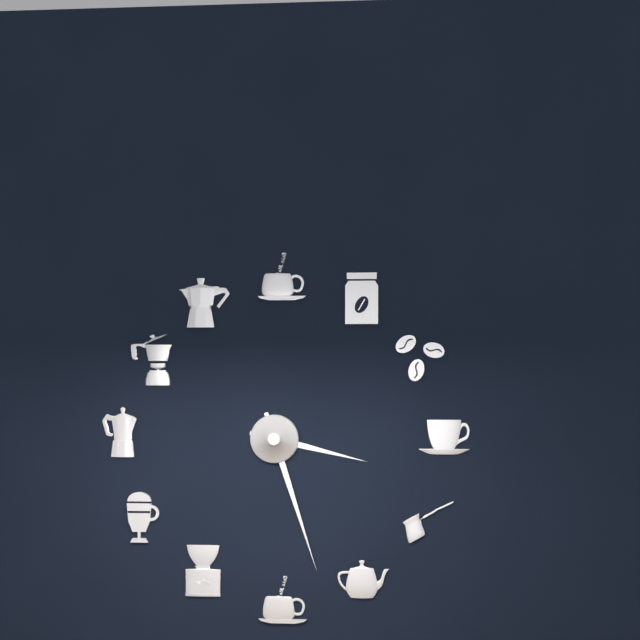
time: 3:27
